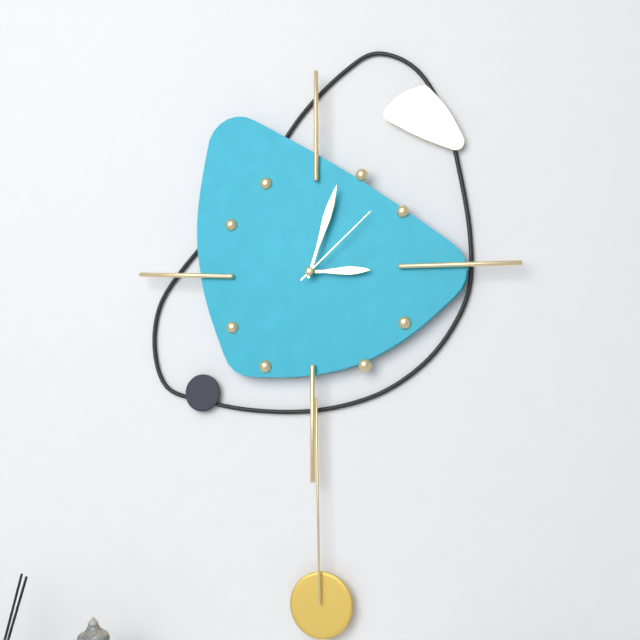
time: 3:03:08
